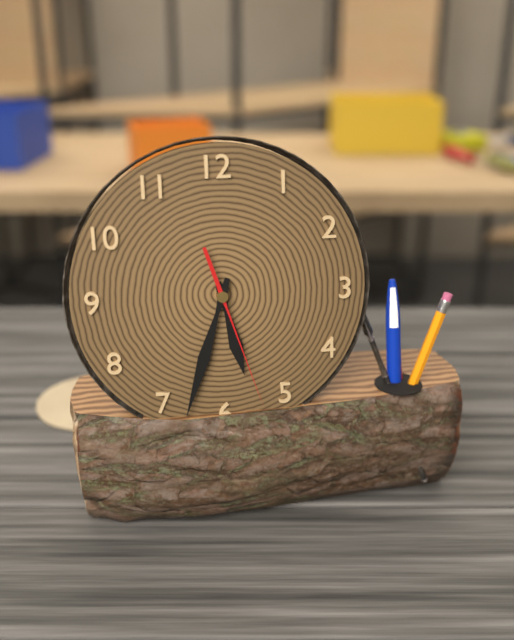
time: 5:33:27
